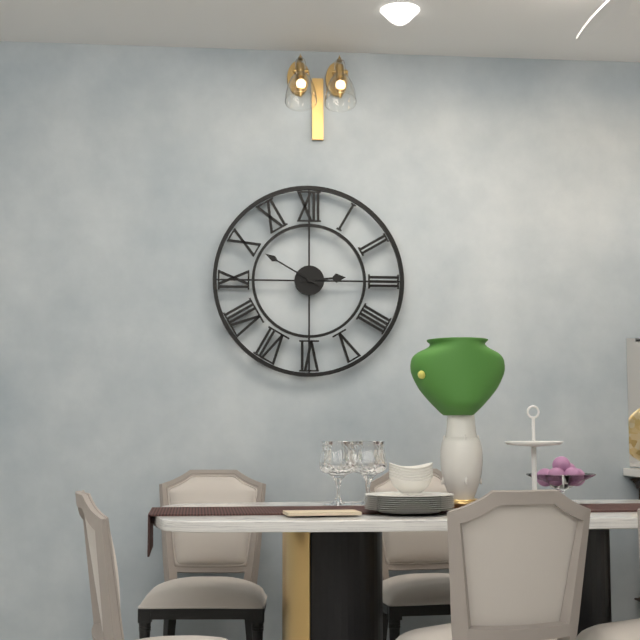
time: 2:50
